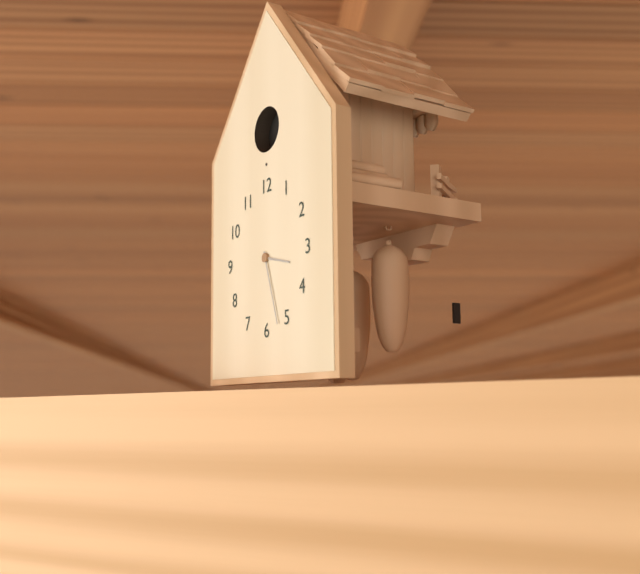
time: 3:27
